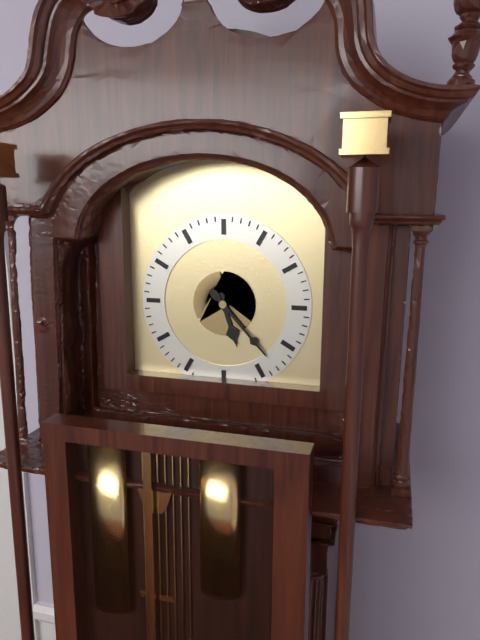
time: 5:23
